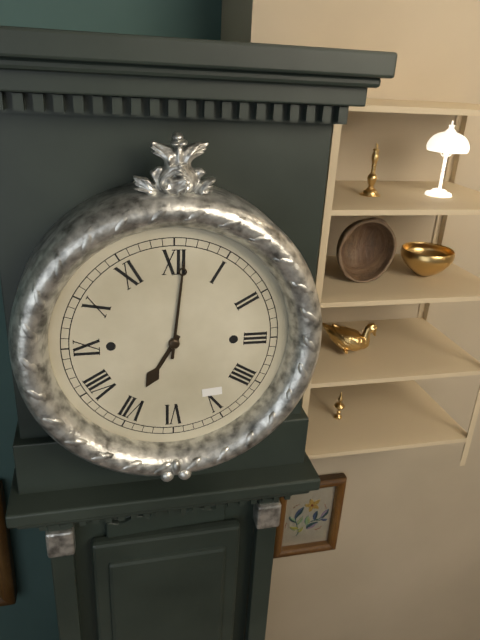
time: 7:01
